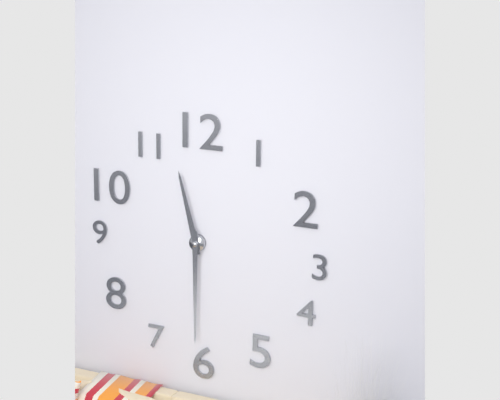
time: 11:30
